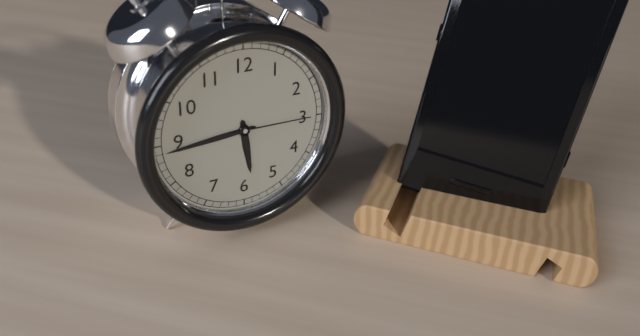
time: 5:44:15
